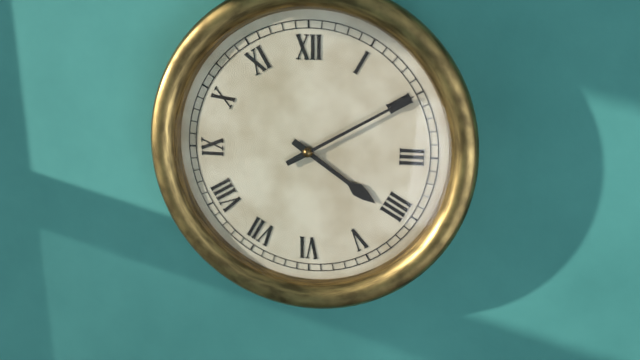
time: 4:10
